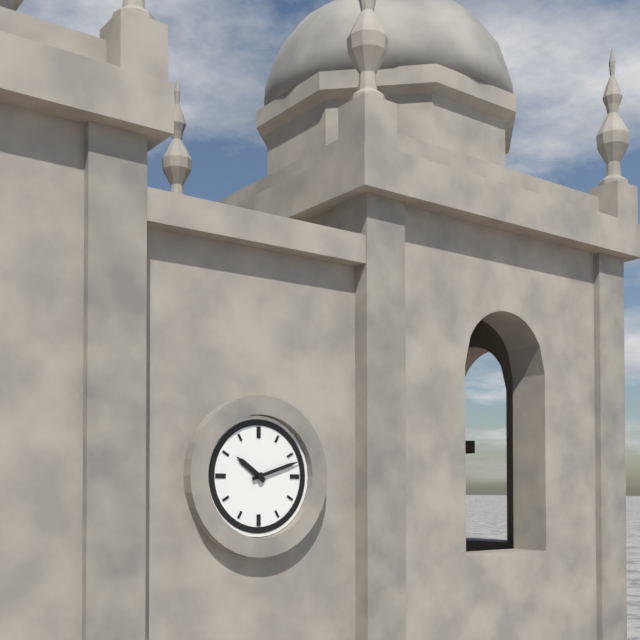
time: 10:12
